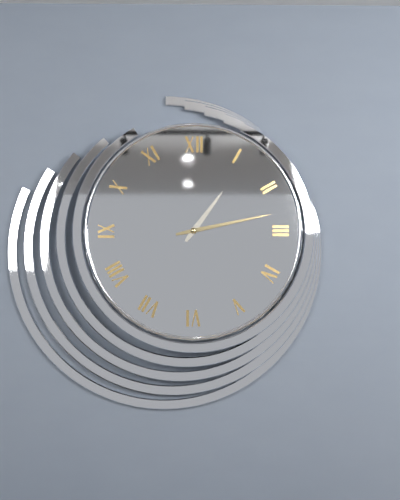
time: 1:13
